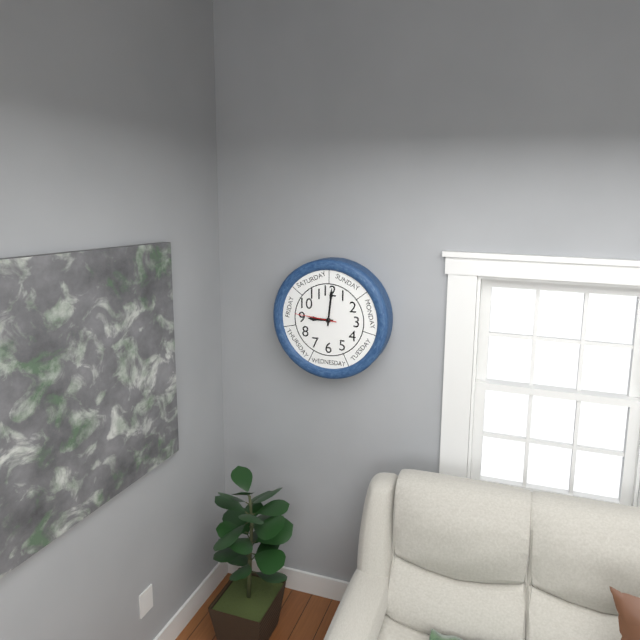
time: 9:01
